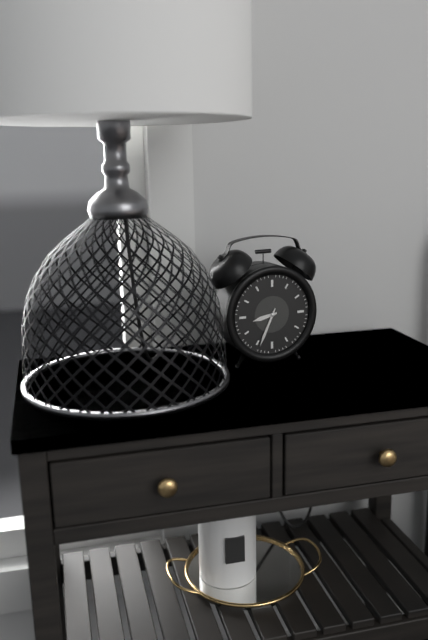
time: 8:34
